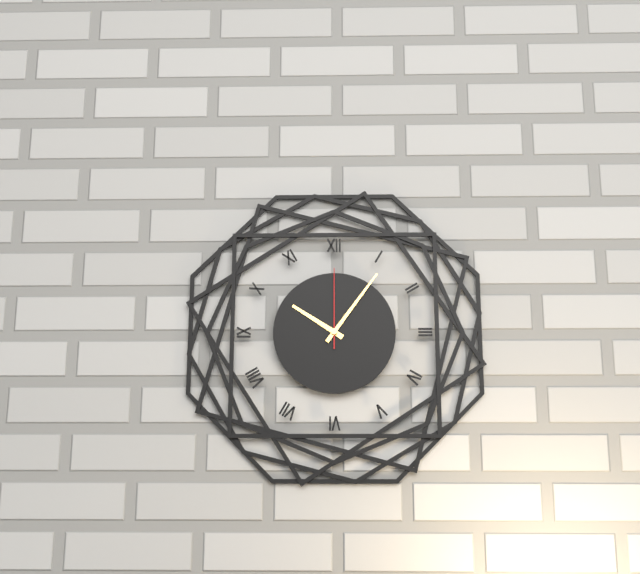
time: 10:06:00
